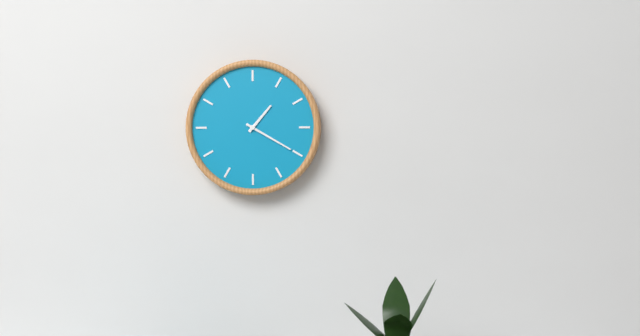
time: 1:20
